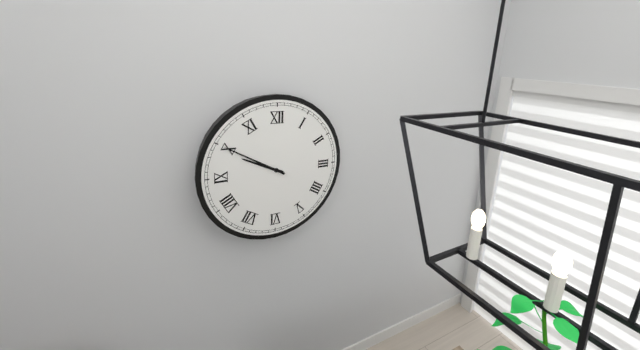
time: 9:50
